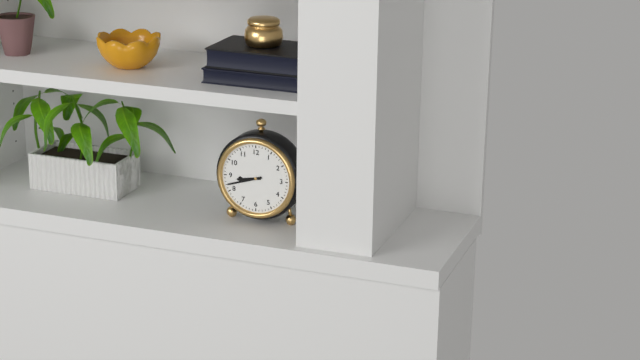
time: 8:42
